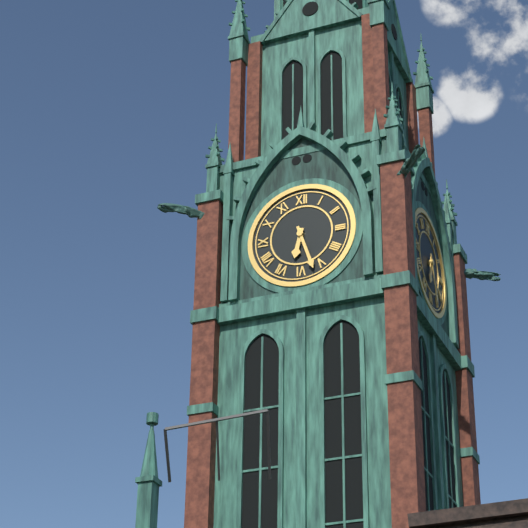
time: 6:27
